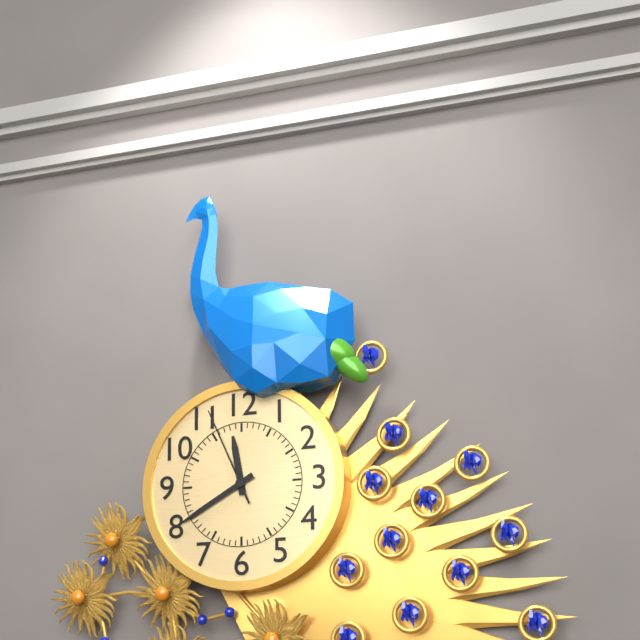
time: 11:40:56
